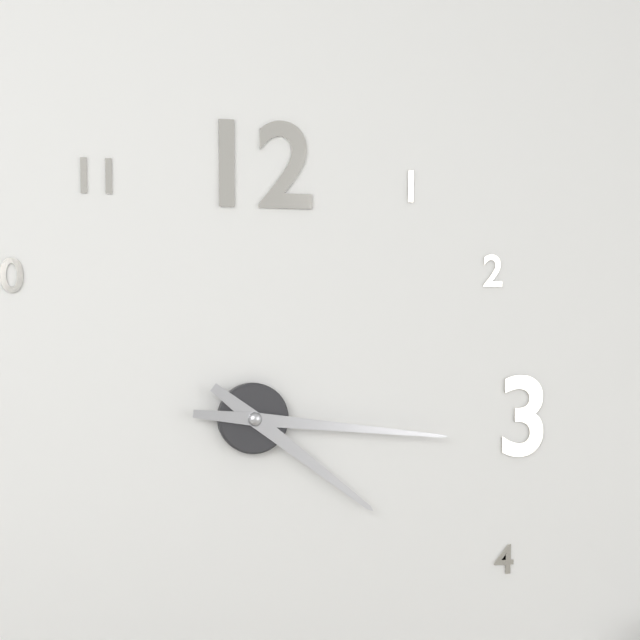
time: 4:16
